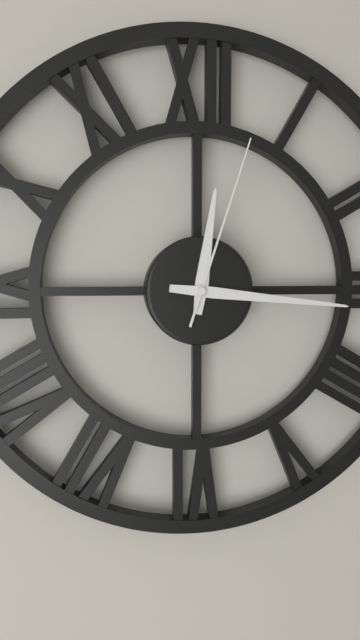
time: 12:16:03
